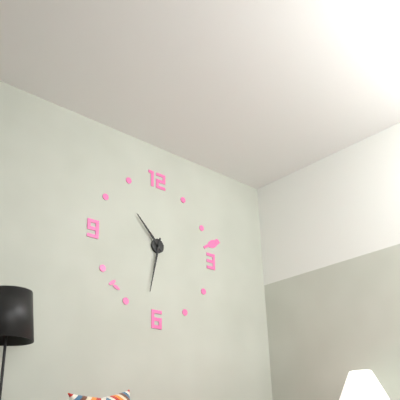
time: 10:32
